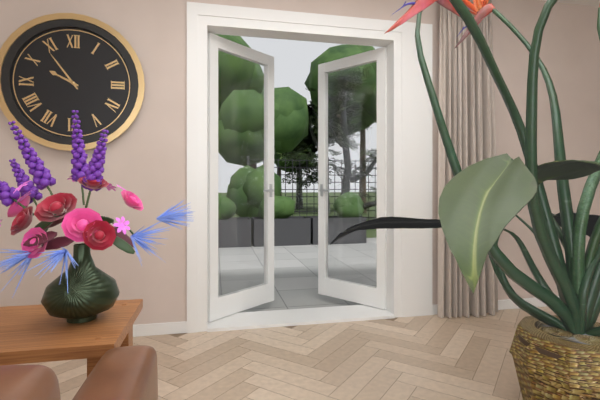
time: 9:54
